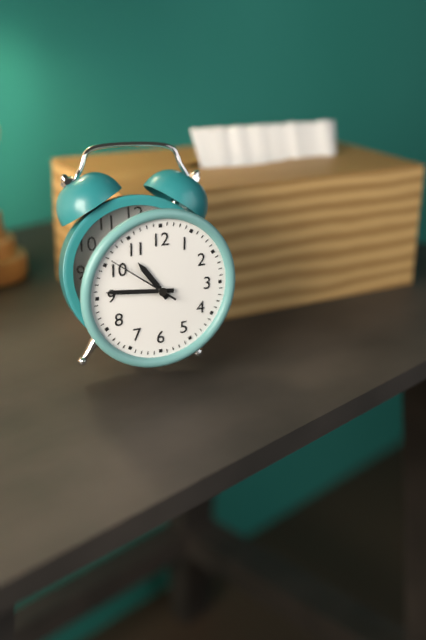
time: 10:46:51
